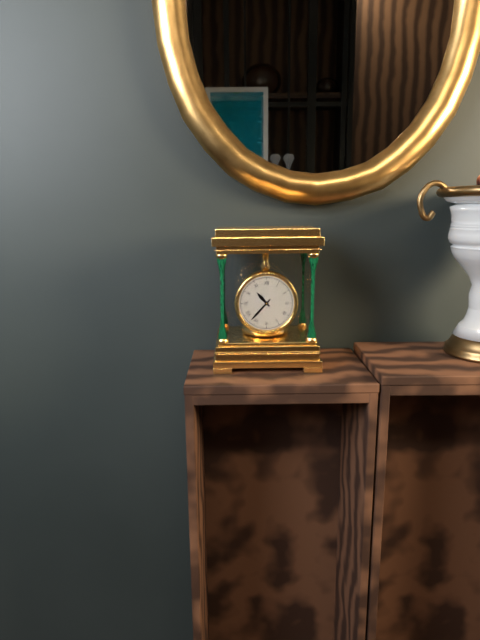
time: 10:37
